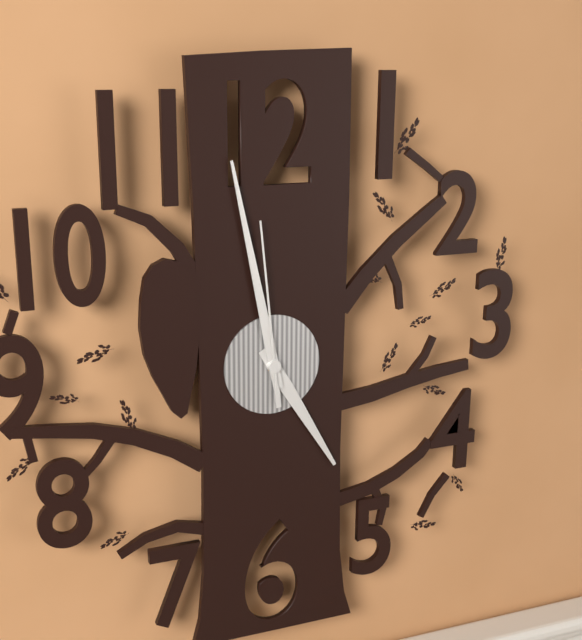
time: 4:58:59
